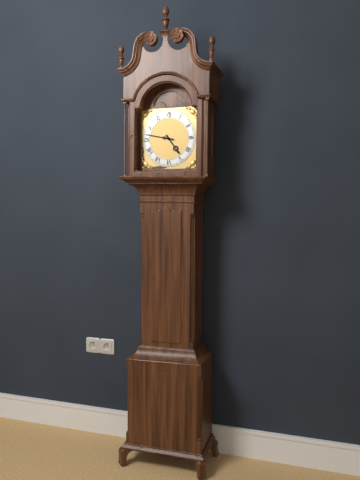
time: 4:47
